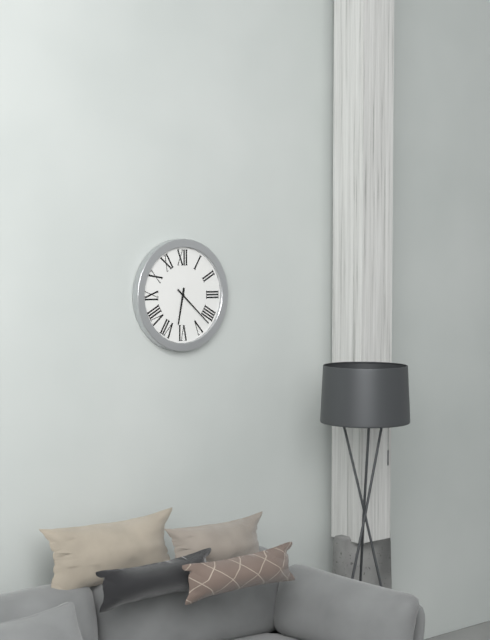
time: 6:22
